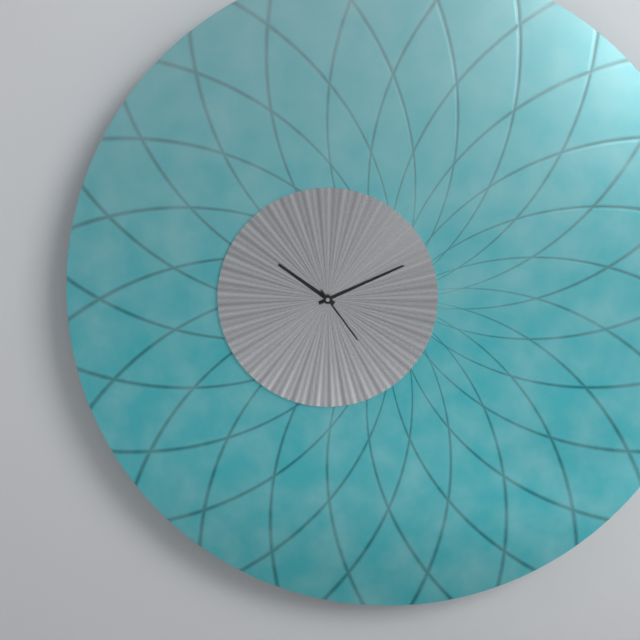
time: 10:11:24
